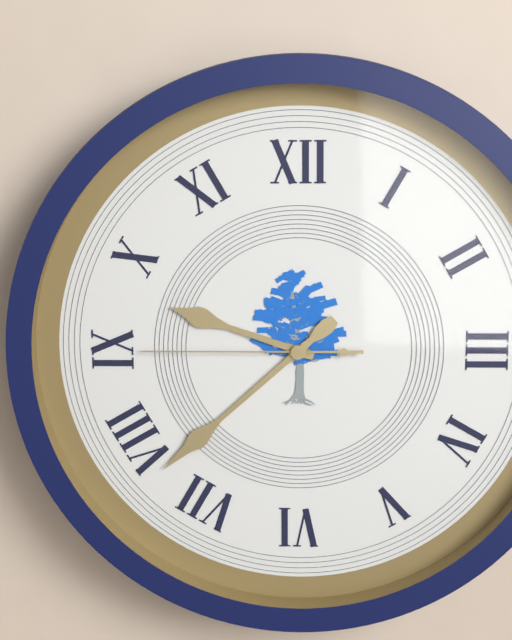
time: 9:38:45
